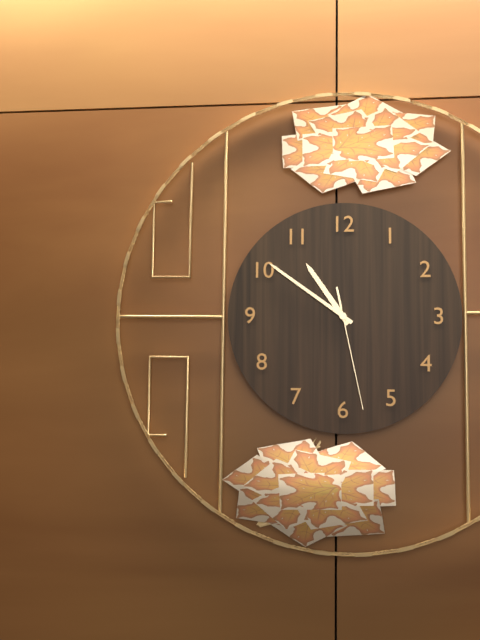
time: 10:51:28
